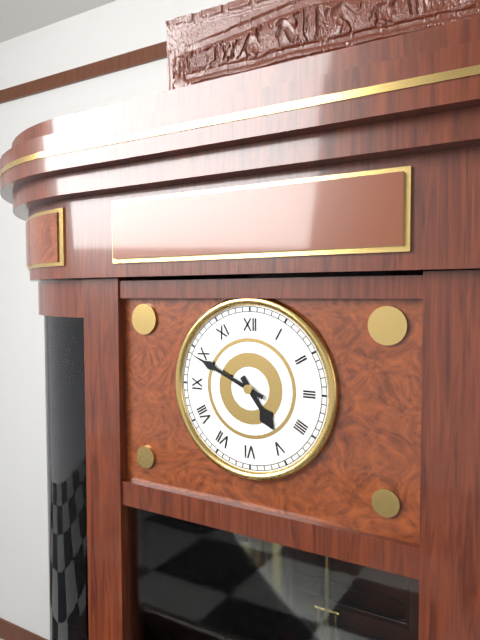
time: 4:49
